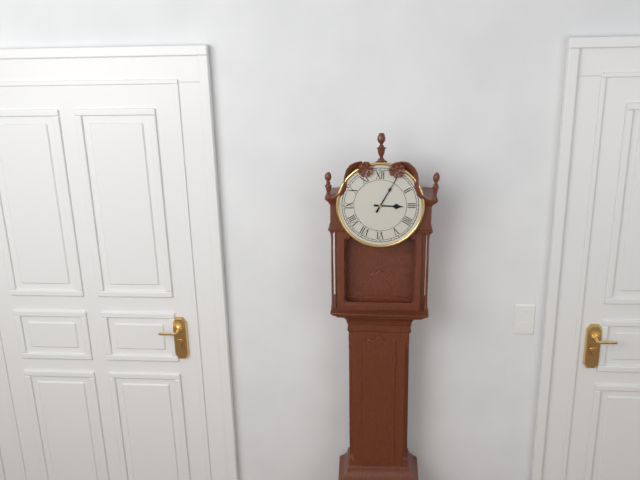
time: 3:05
